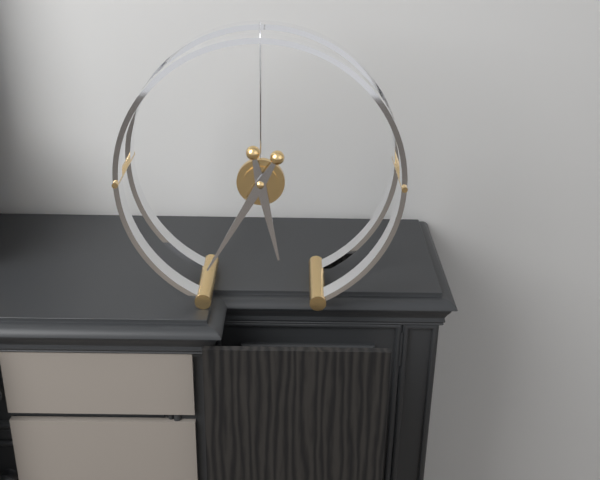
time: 5:35
